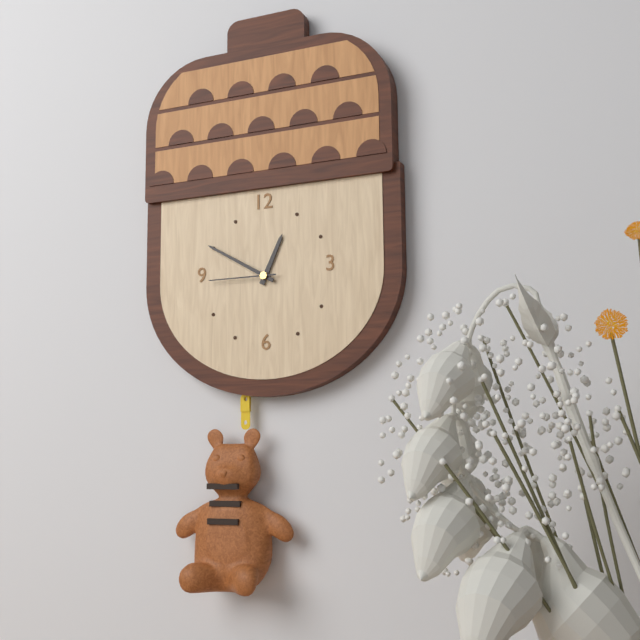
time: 12:50:45
